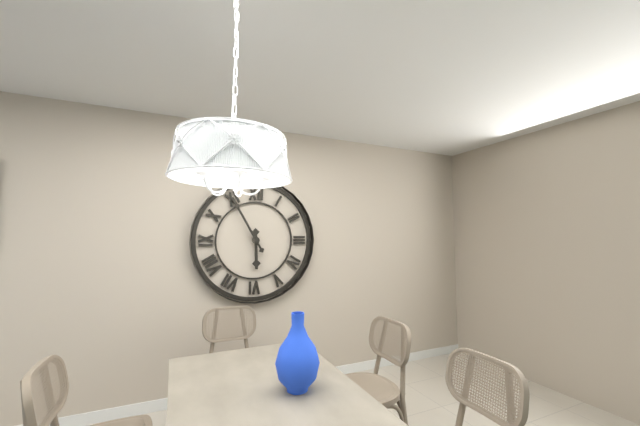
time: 5:55
